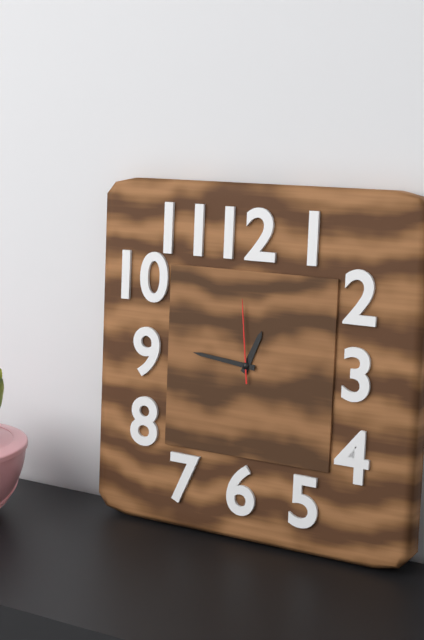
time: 12:46:59
